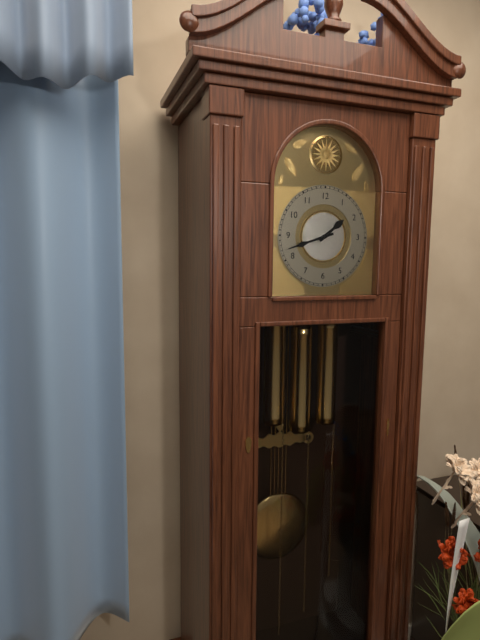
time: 1:42
